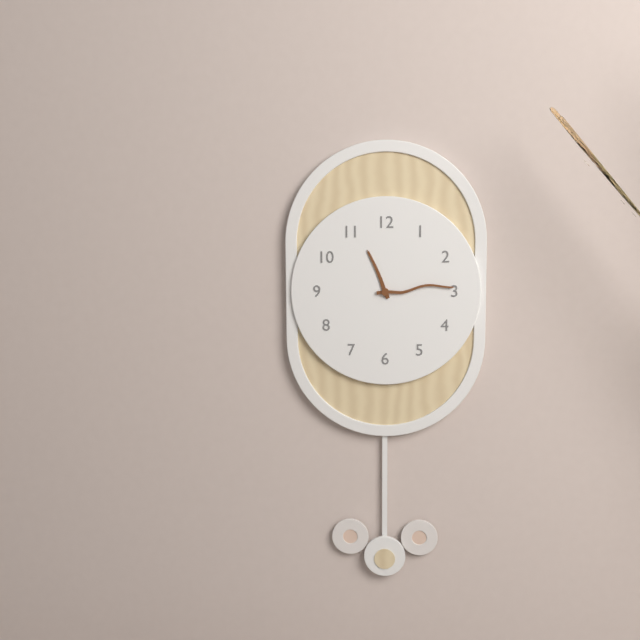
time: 11:14
